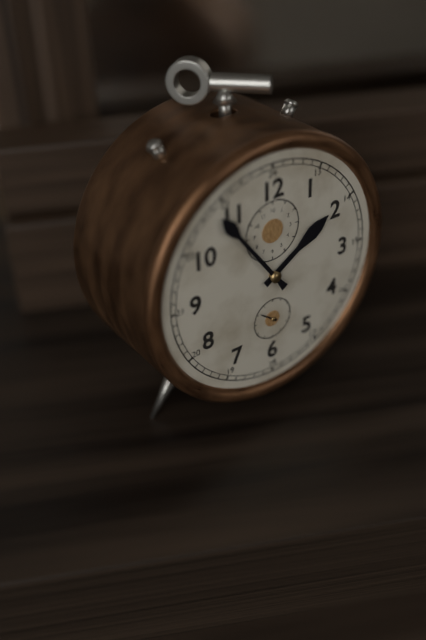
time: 1:54
